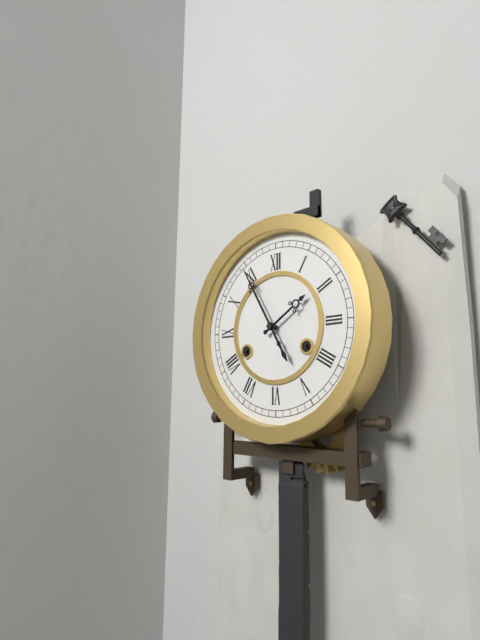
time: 1:55
